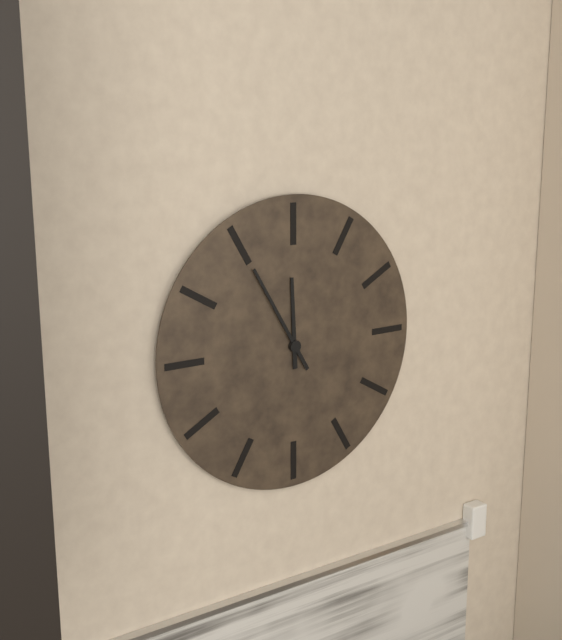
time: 11:55
